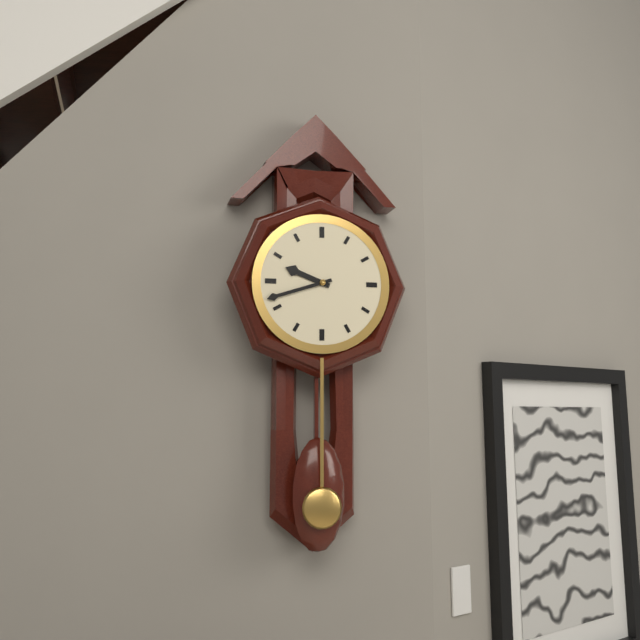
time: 9:42
